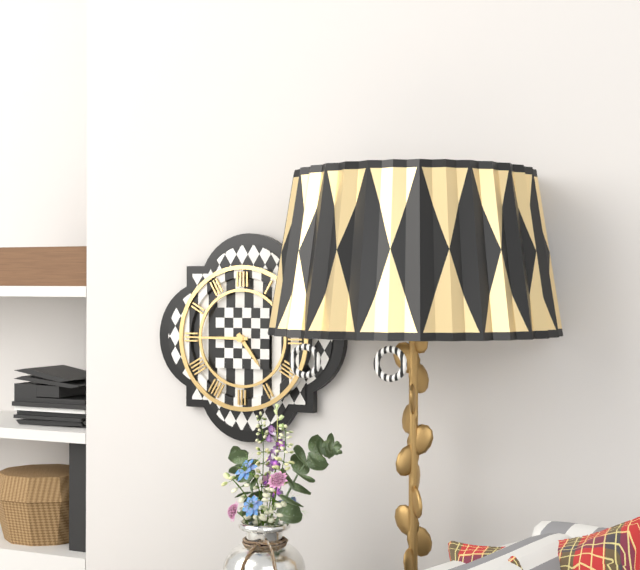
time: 4:45
